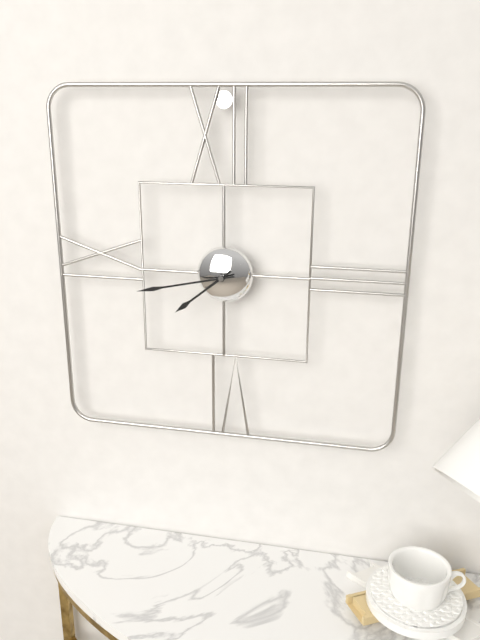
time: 7:43
